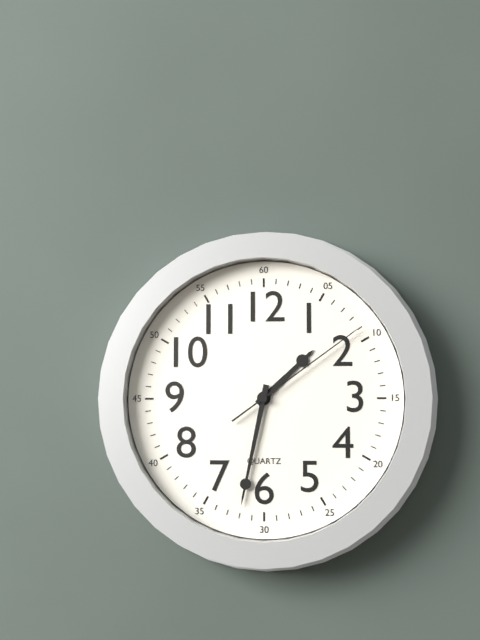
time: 1:32:09
